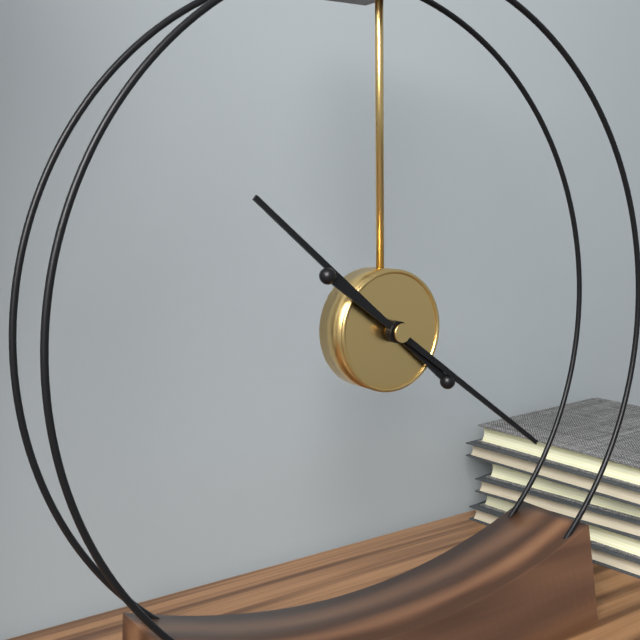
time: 10:21
